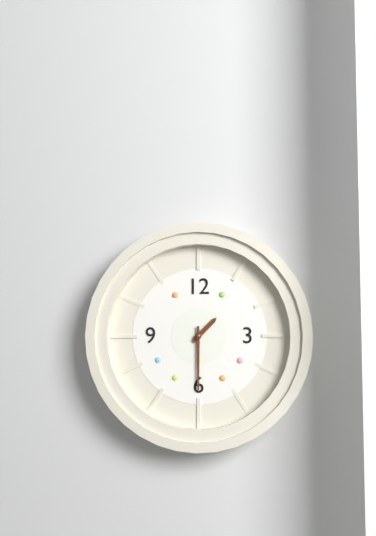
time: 1:30
